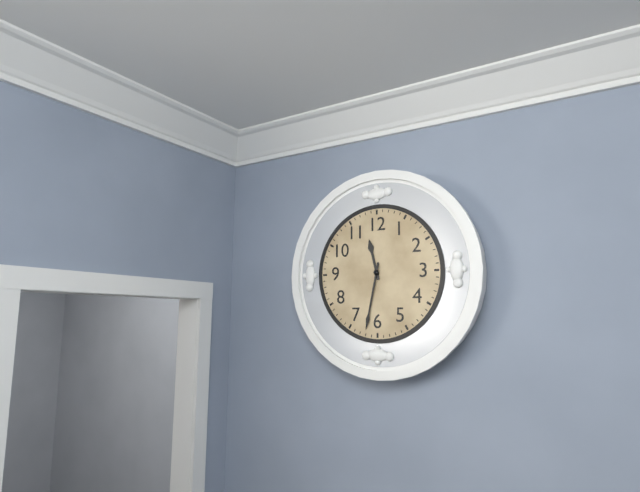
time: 11:32
